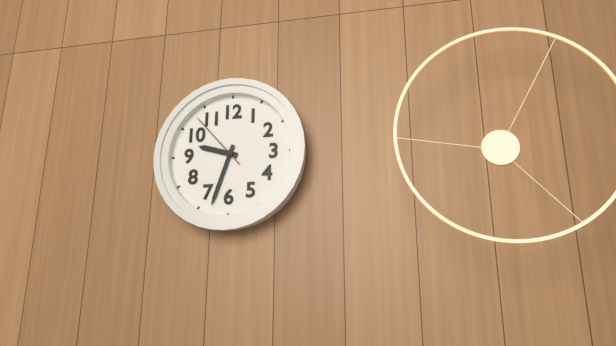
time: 9:33:53
